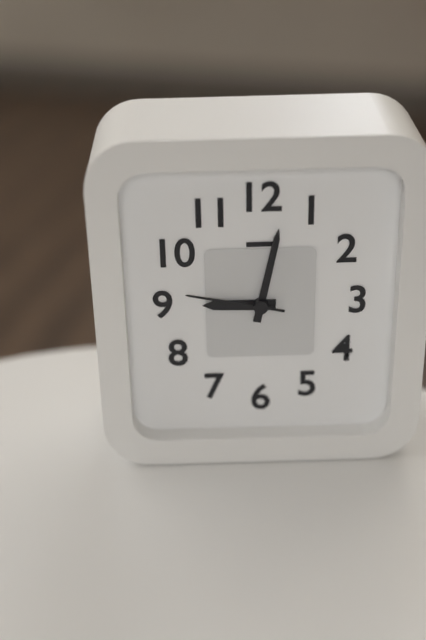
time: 9:02:47
